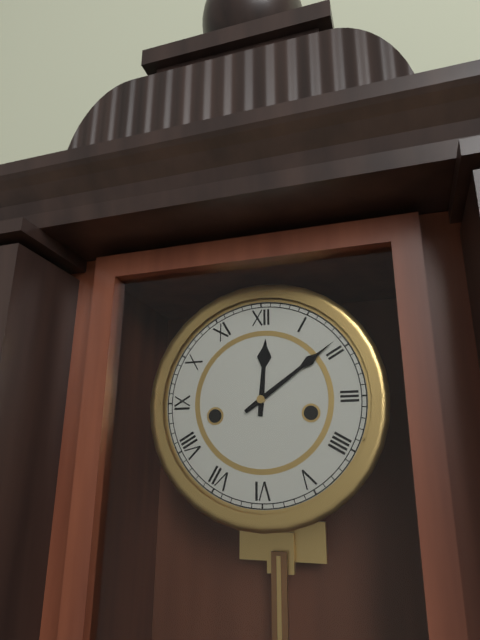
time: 12:09
